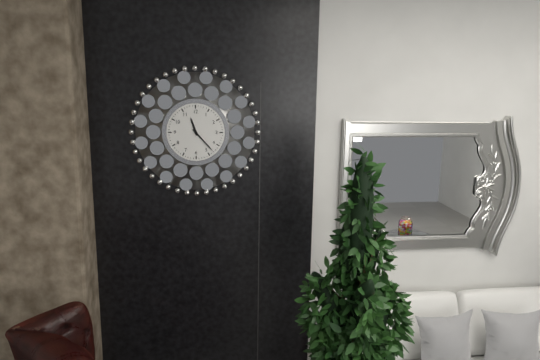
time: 11:23
